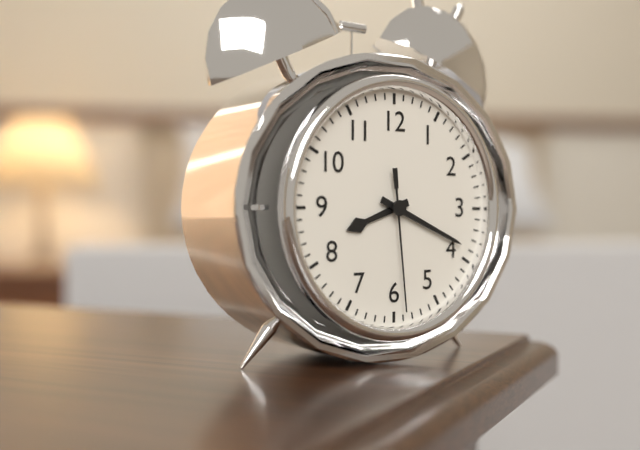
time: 8:19:29
